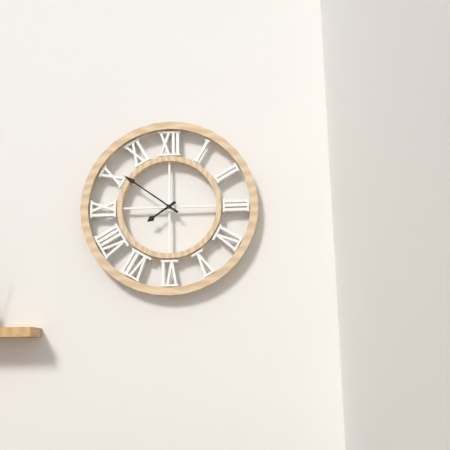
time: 7:51
